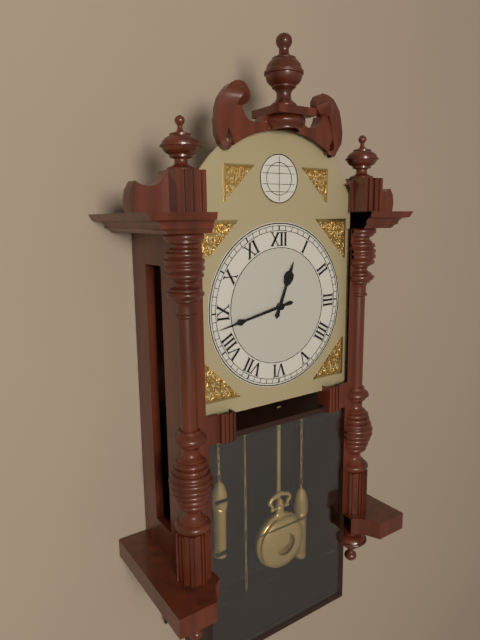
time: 12:43
